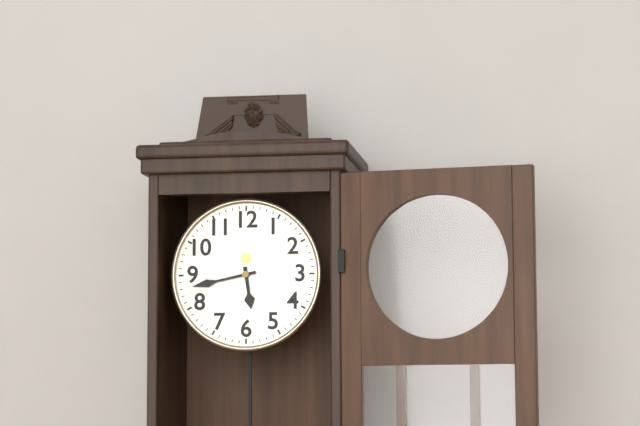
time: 5:43
